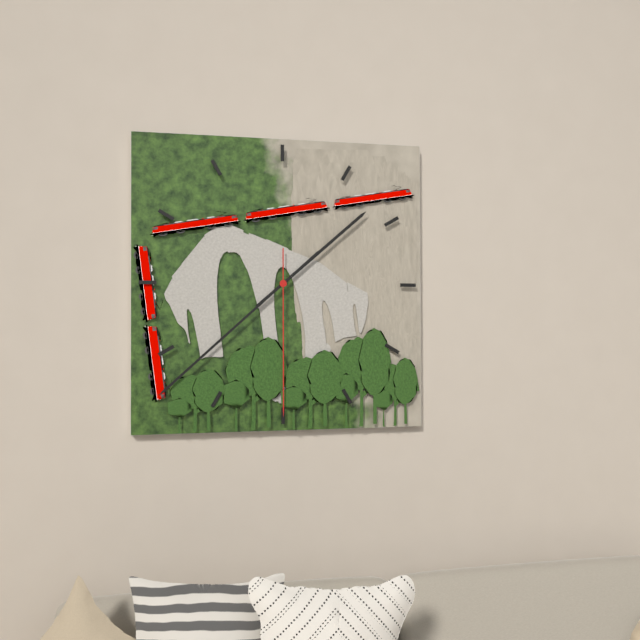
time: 1:38:30
